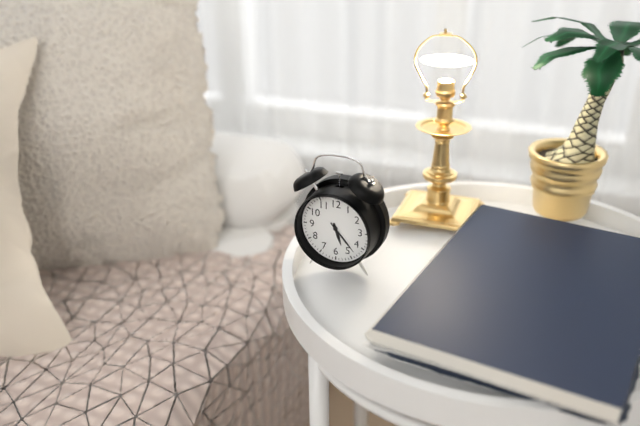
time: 5:23
